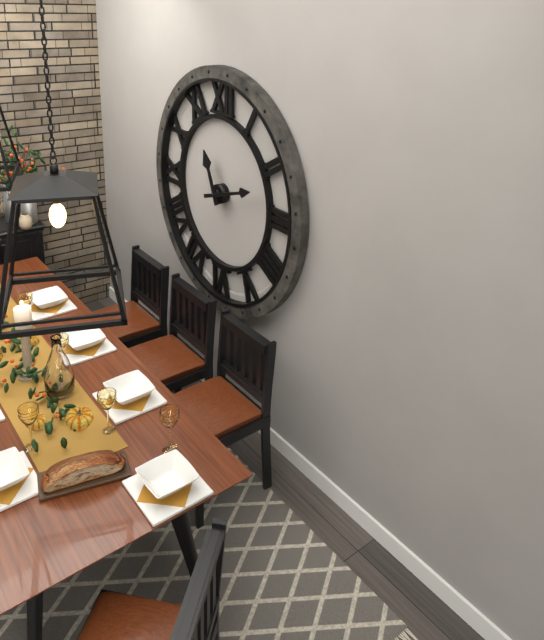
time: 11:12
